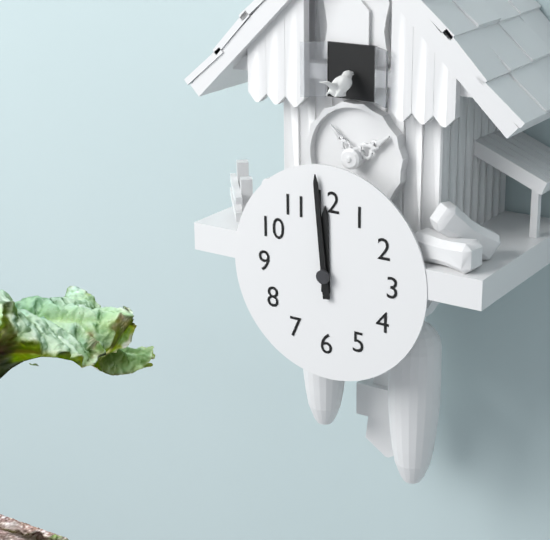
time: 11:59
